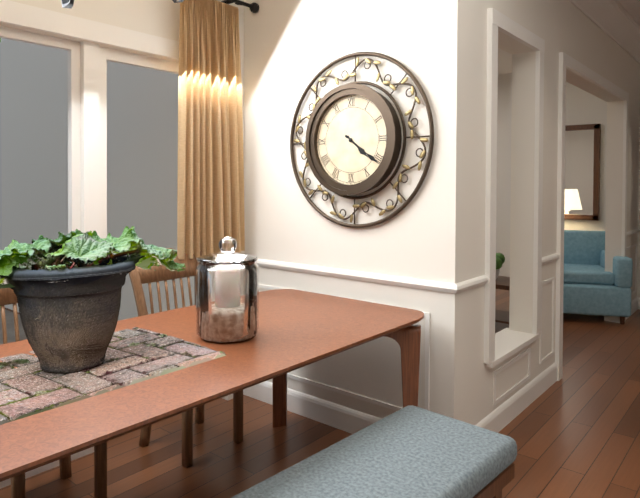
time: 4:21
